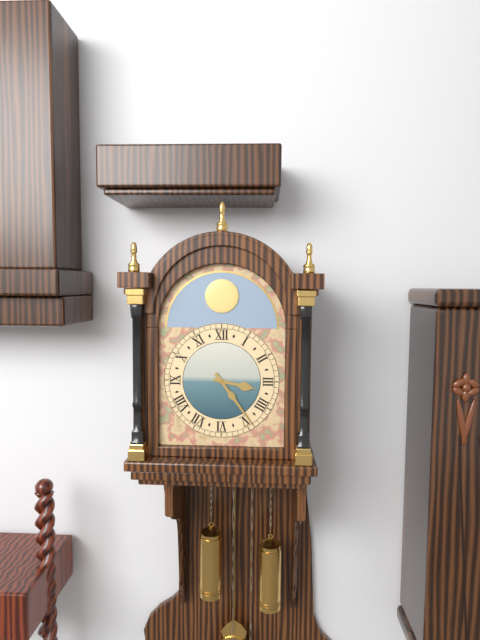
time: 3:24
